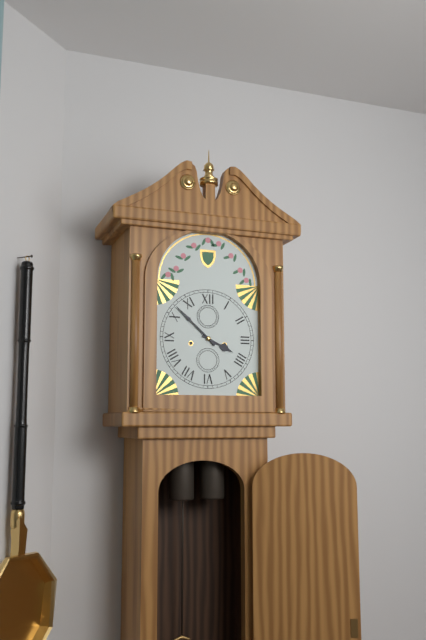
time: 3:52
